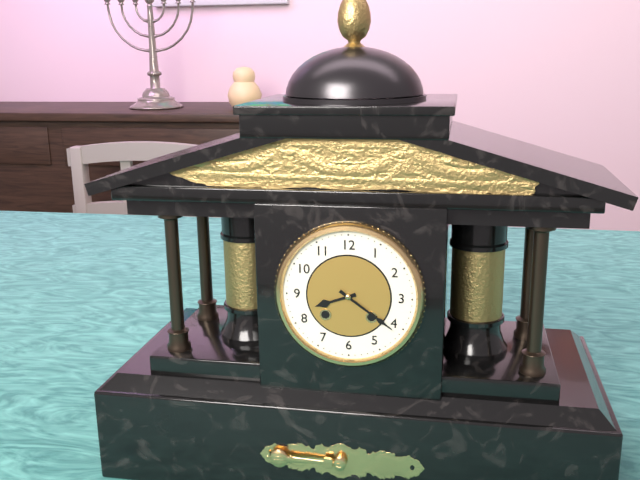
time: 8:21
